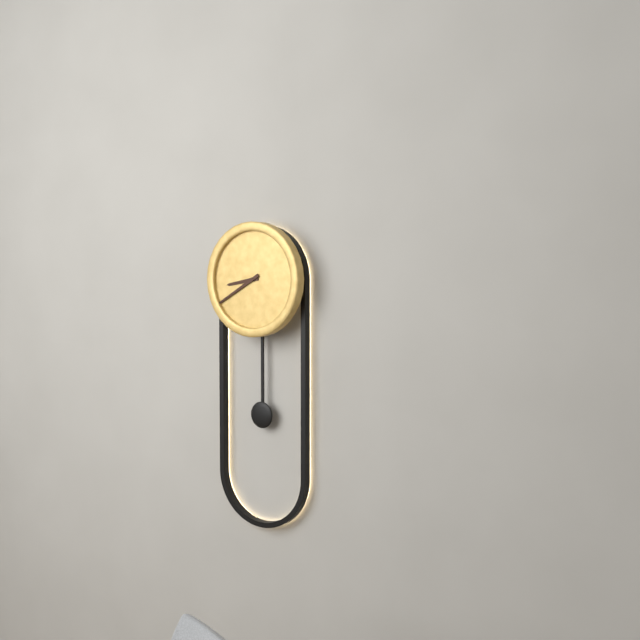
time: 8:40
